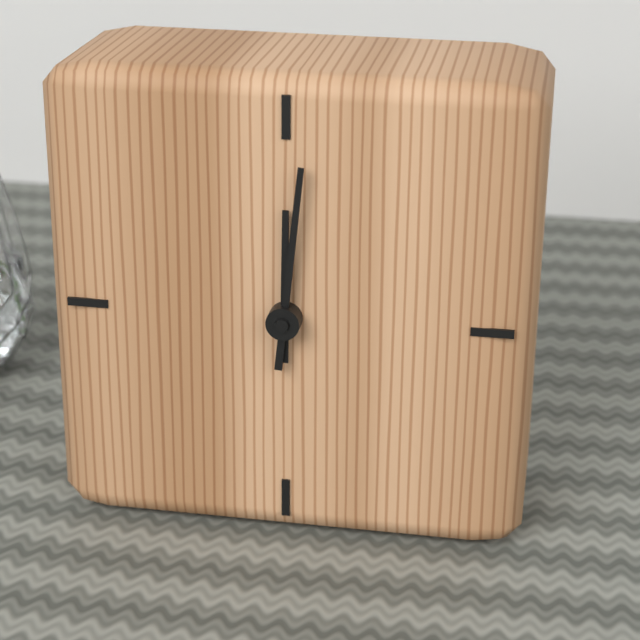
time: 12:01
